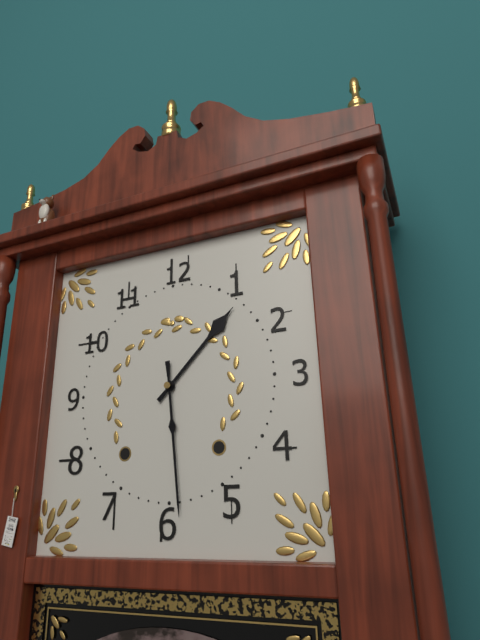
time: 1:29
